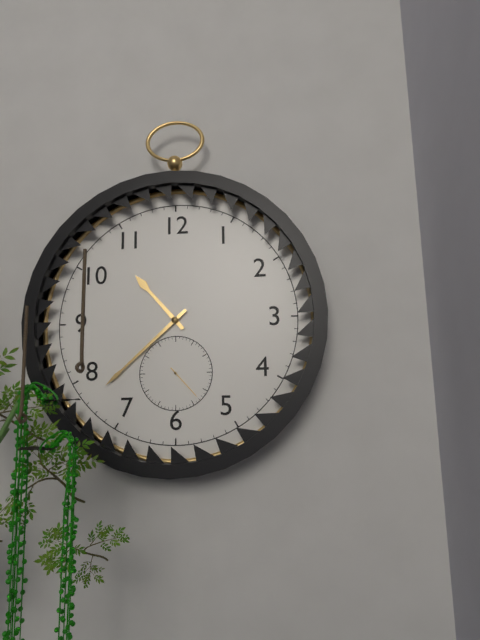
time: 10:38
